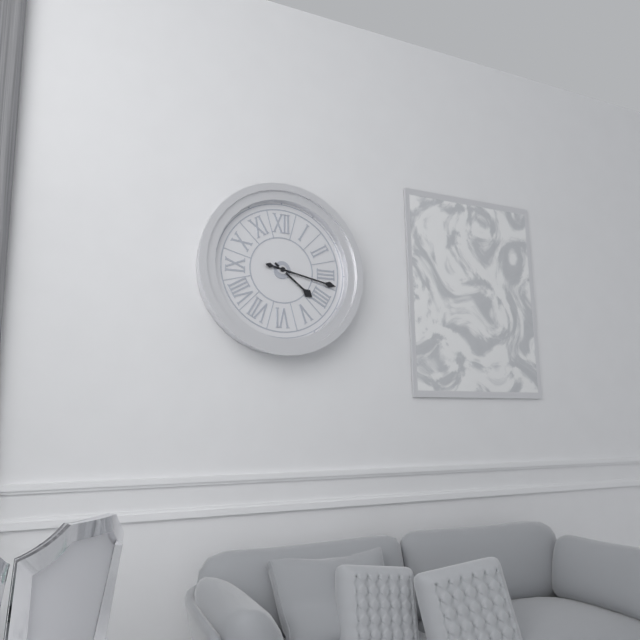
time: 4:17
